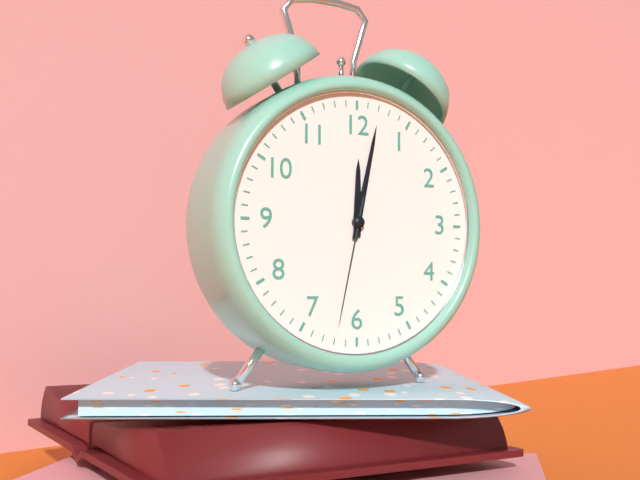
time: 12:02:32
